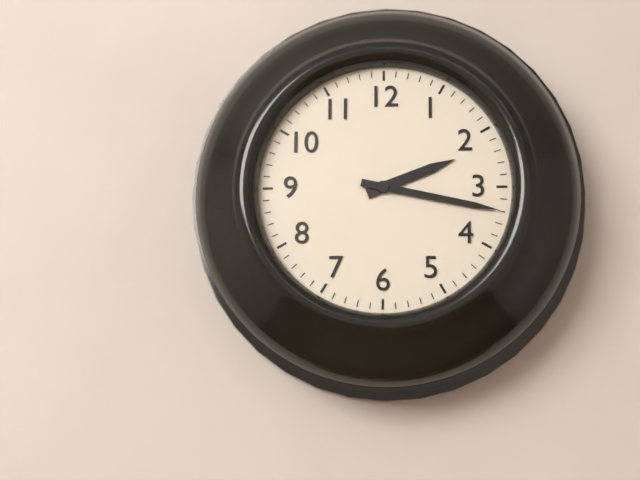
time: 2:17
